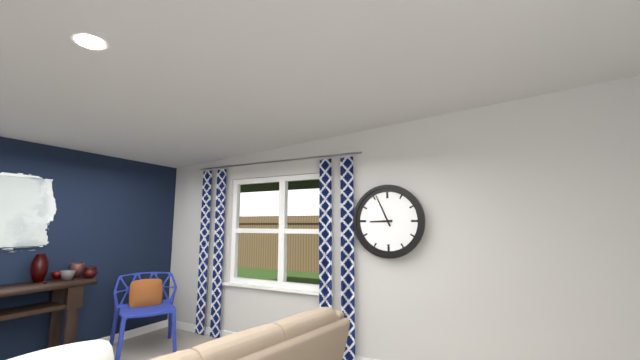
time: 8:56
